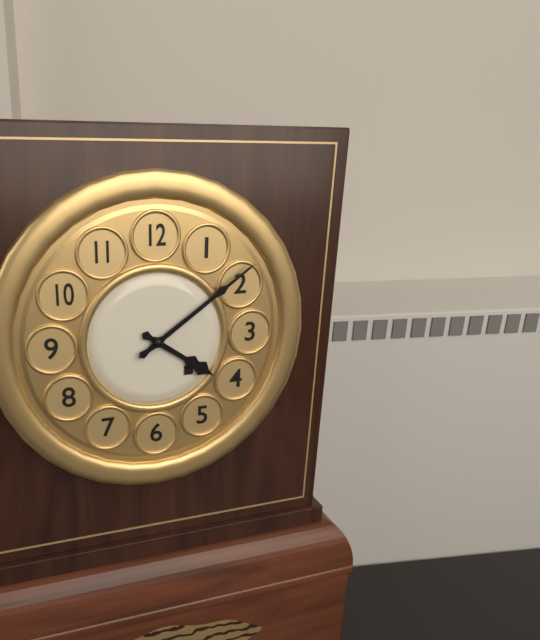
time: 4:09
